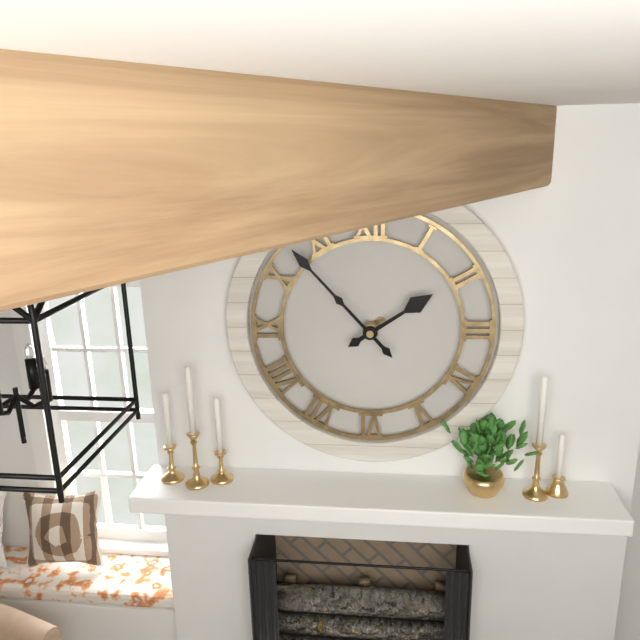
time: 1:53
